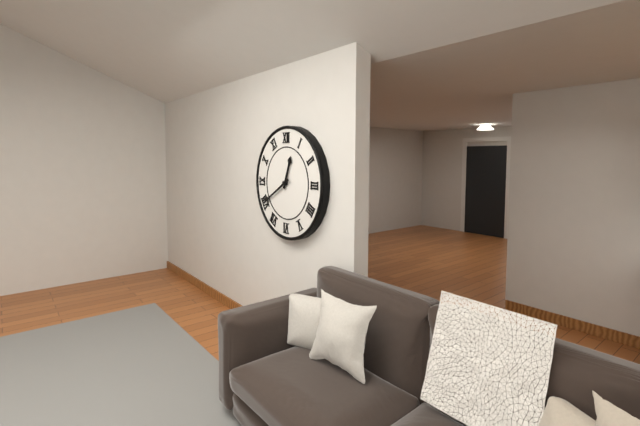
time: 12:40
